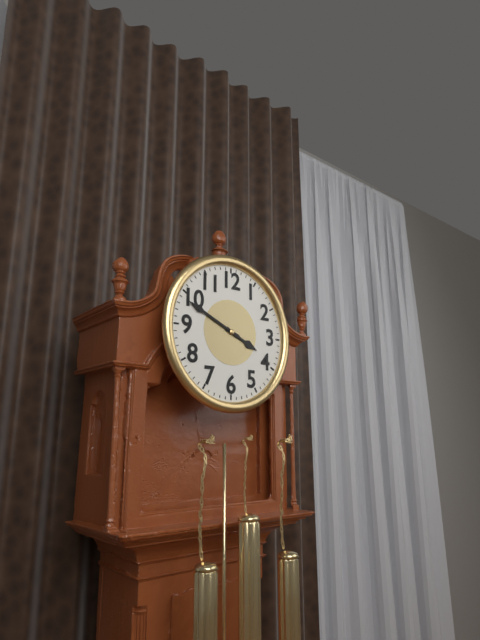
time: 3:49
